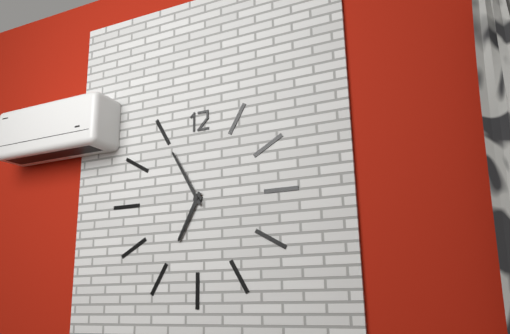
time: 6:55
